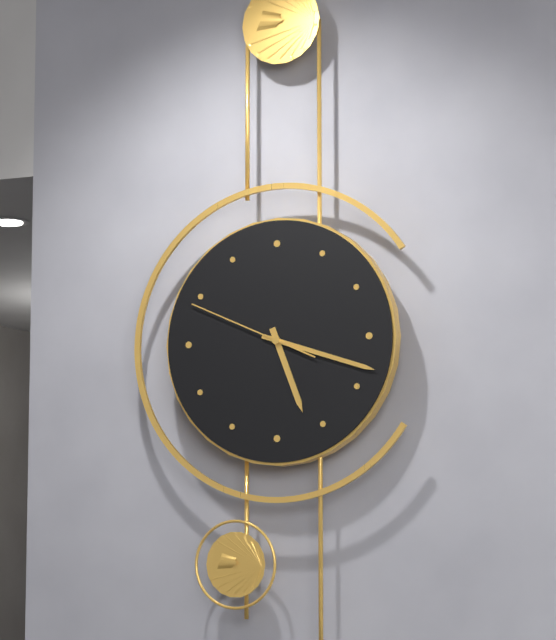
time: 5:18:49
